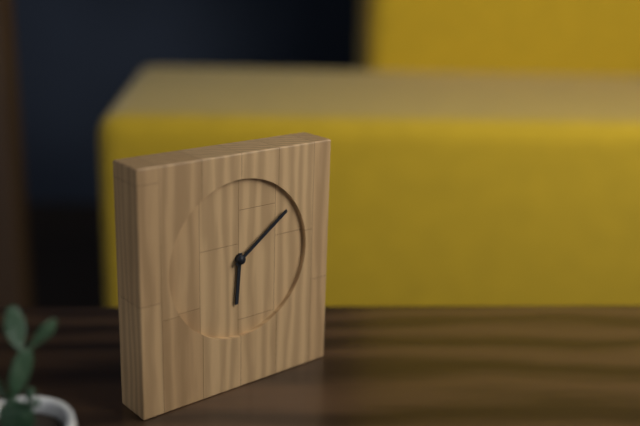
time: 6:09
